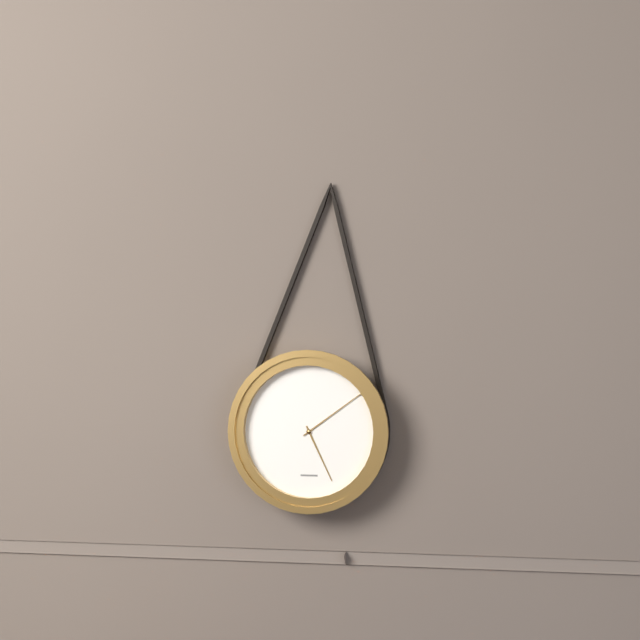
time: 5:09
